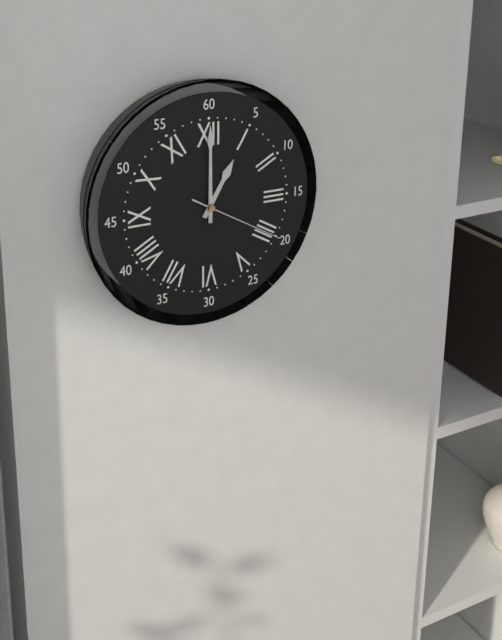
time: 1:00:20
